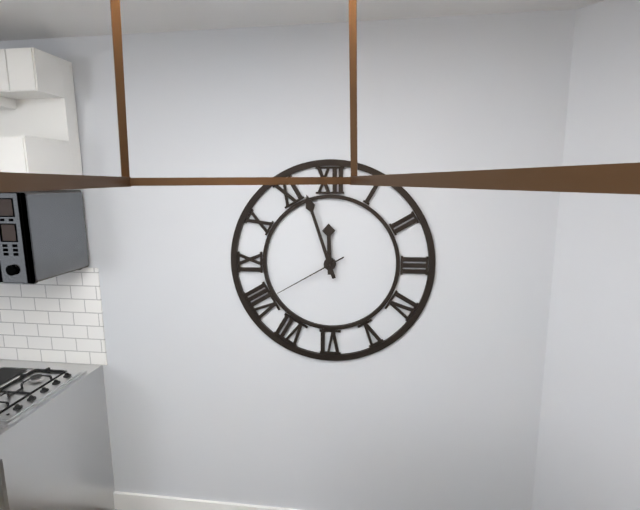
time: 11:57:40
